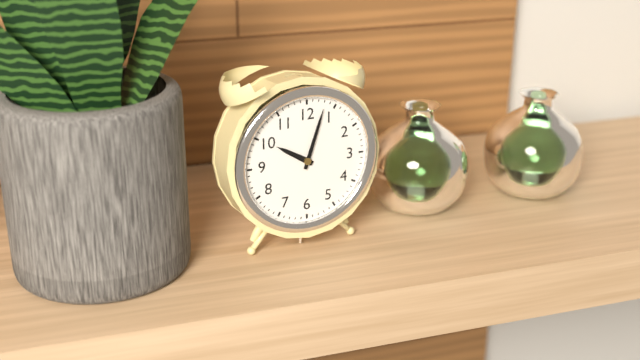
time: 10:03
